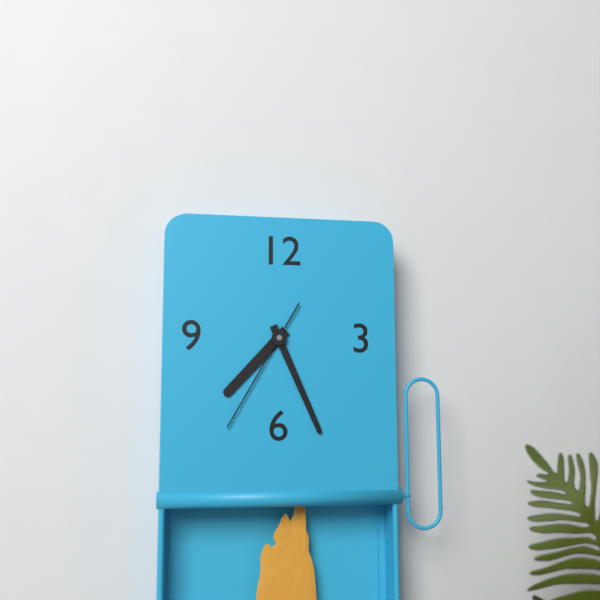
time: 7:26:35
